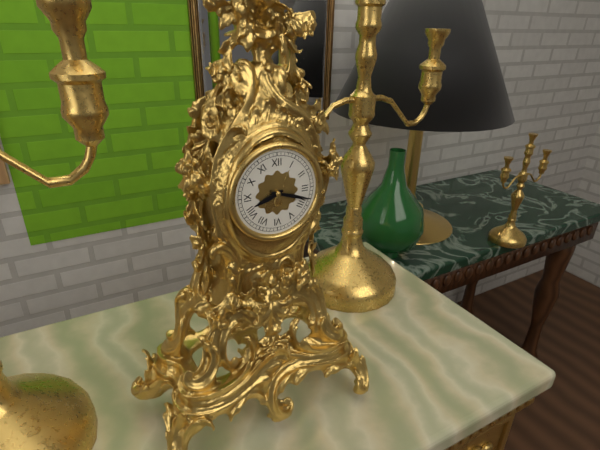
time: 8:18
